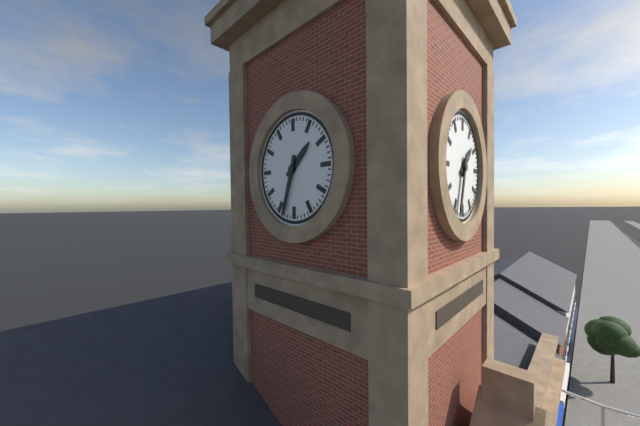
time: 1:33
